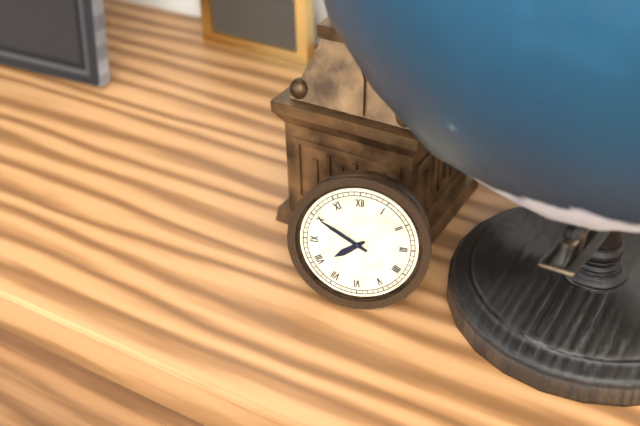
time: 7:50
